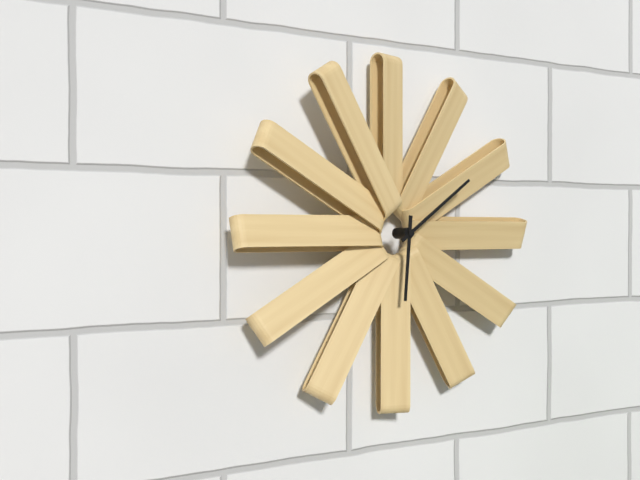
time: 6:09
